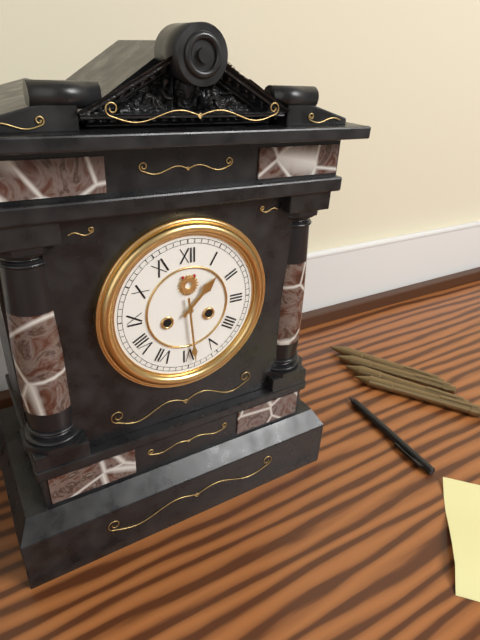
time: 1:29
